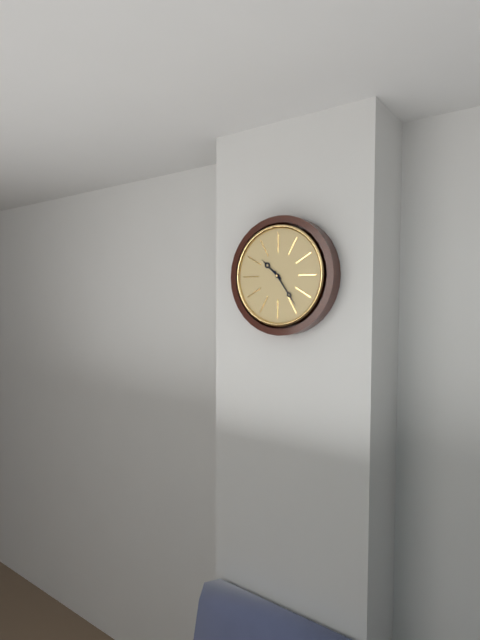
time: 10:24
